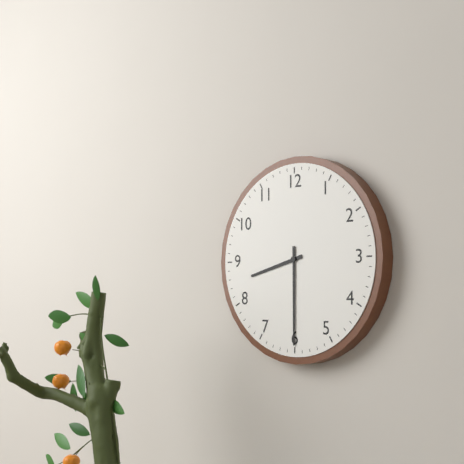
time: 8:30
